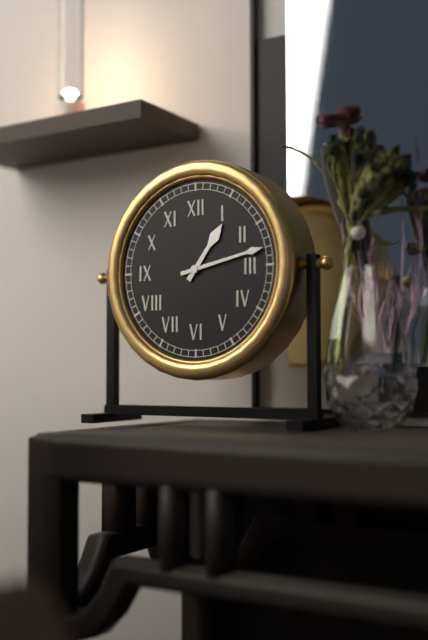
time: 1:13
